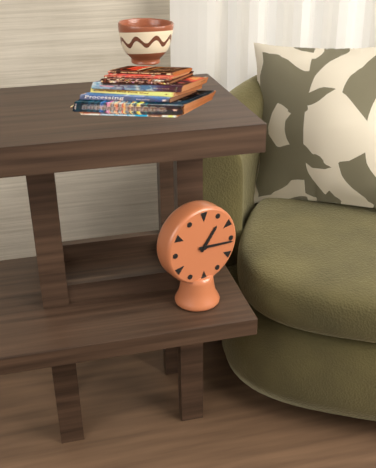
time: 1:16
